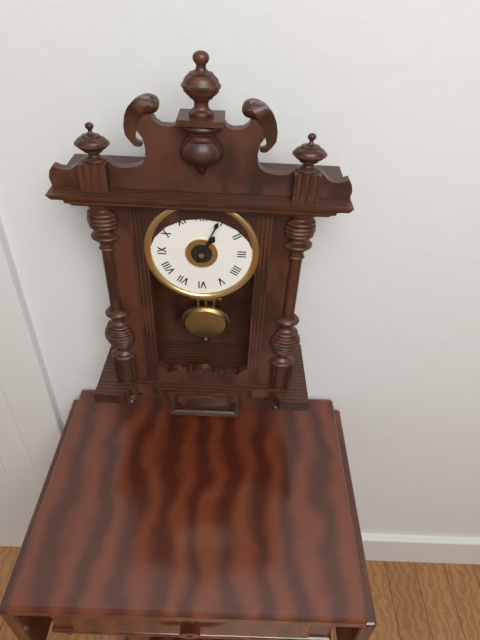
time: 1:04
